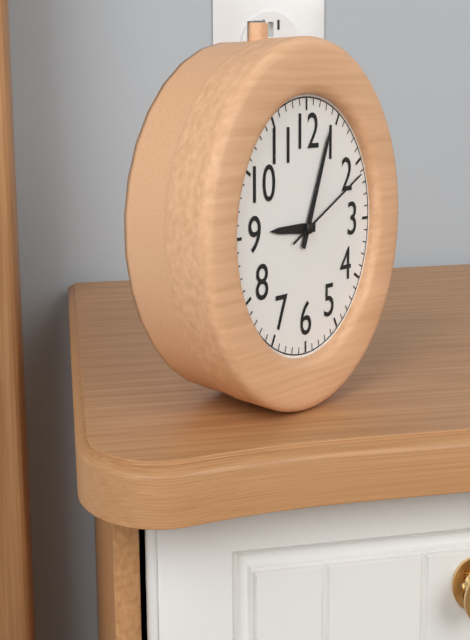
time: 9:04:11
